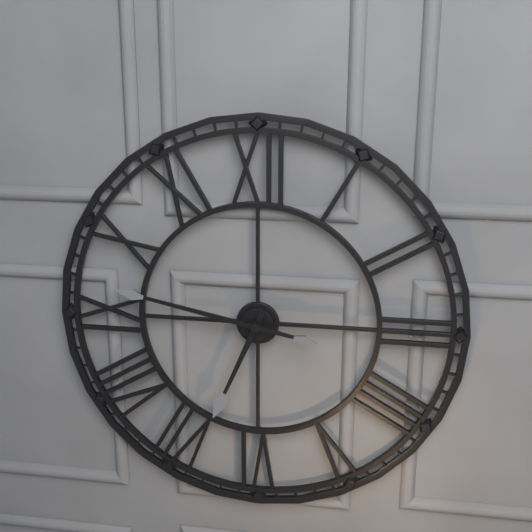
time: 6:47
